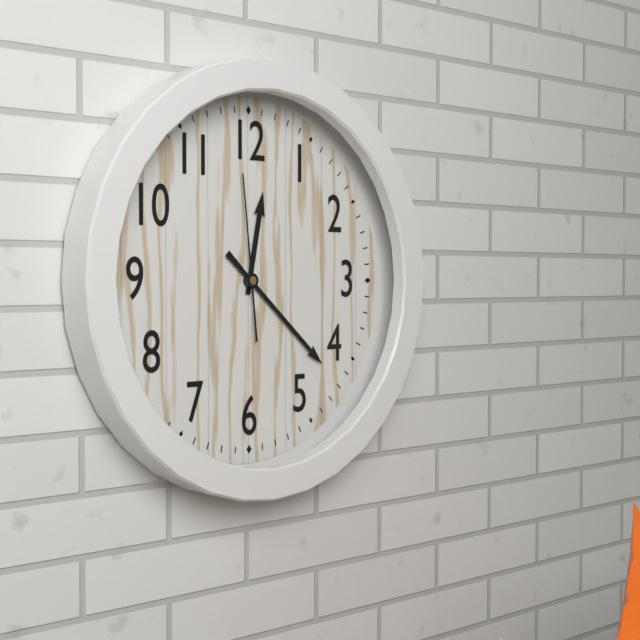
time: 12:22:59
